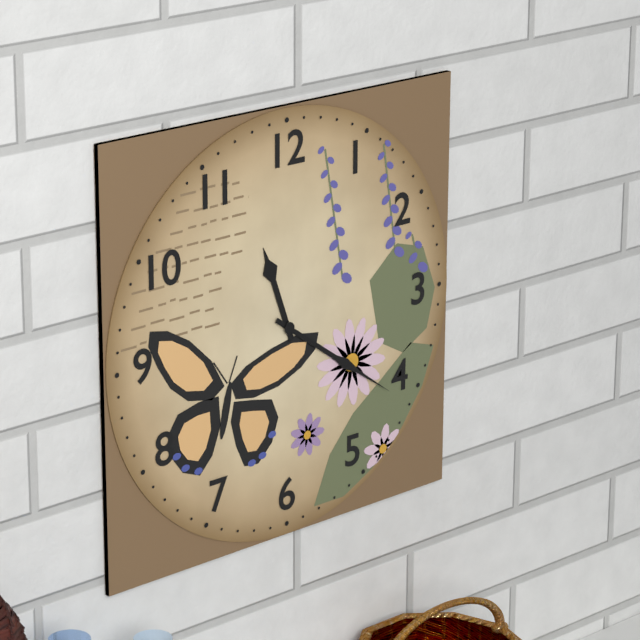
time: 11:21
